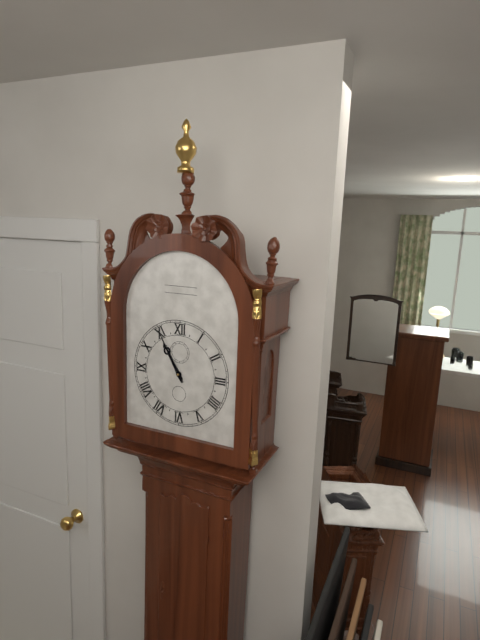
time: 10:55
